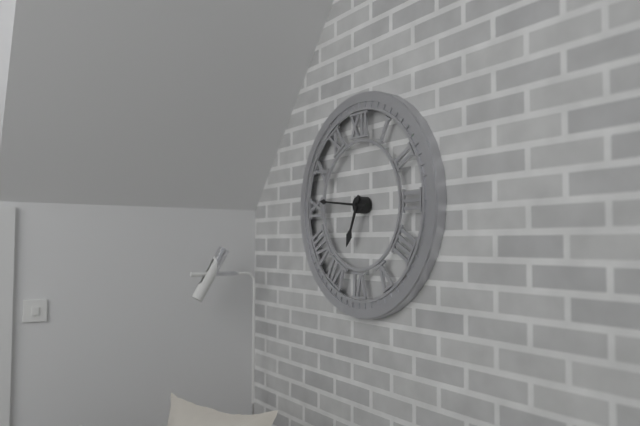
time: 6:46
